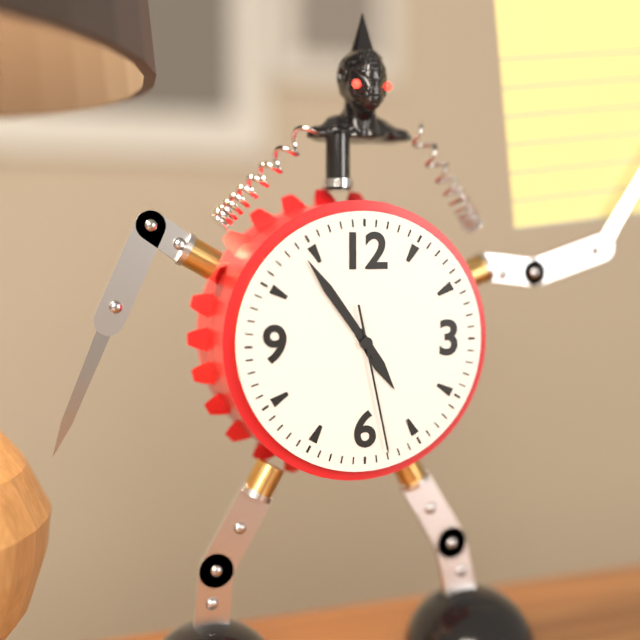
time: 4:54:28
